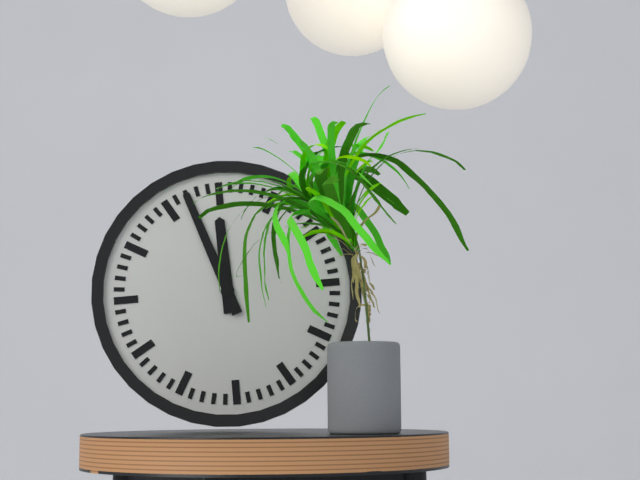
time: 11:57
